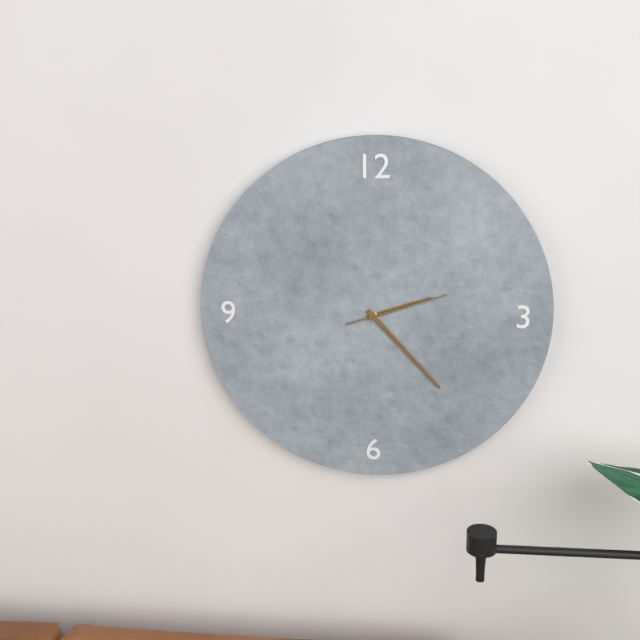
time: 2:23:12
